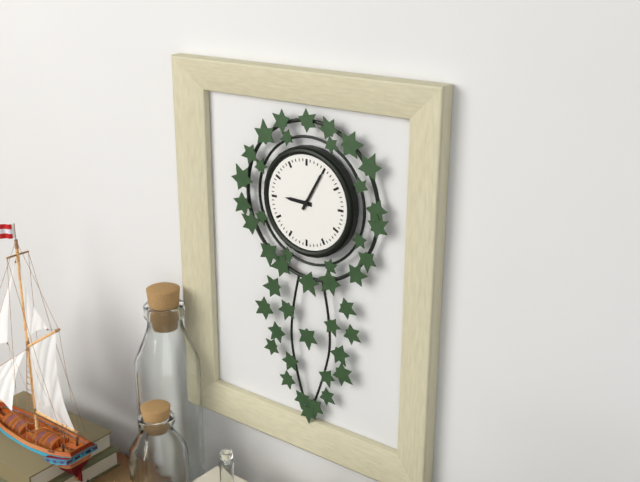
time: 9:05
